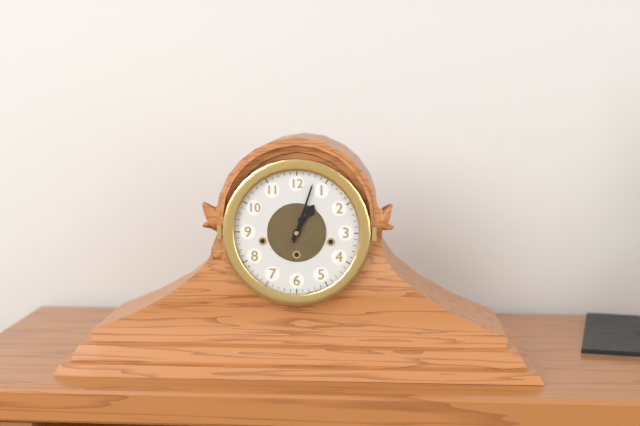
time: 1:03
